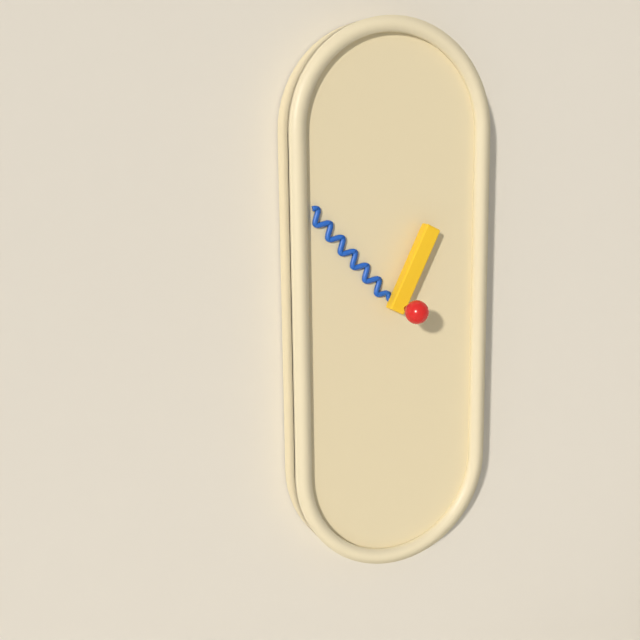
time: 12:53
